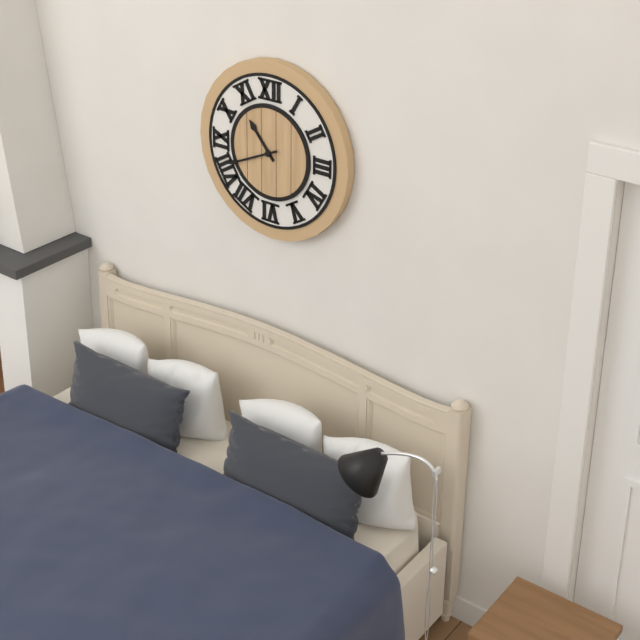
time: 10:41
